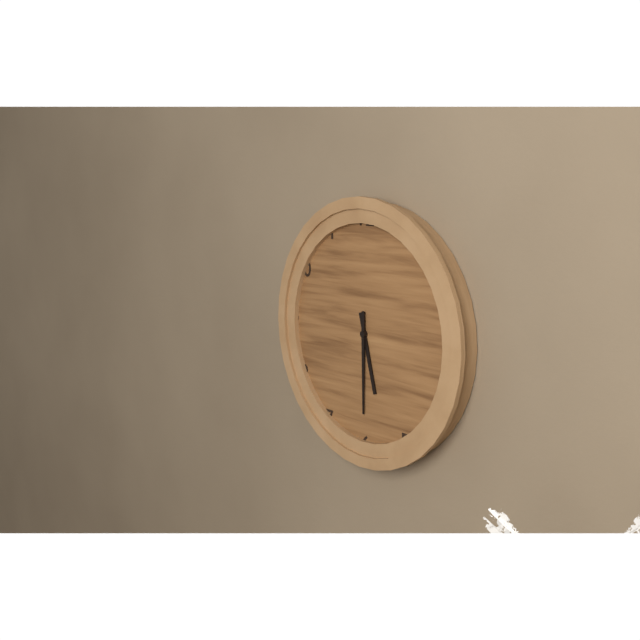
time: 5:30
